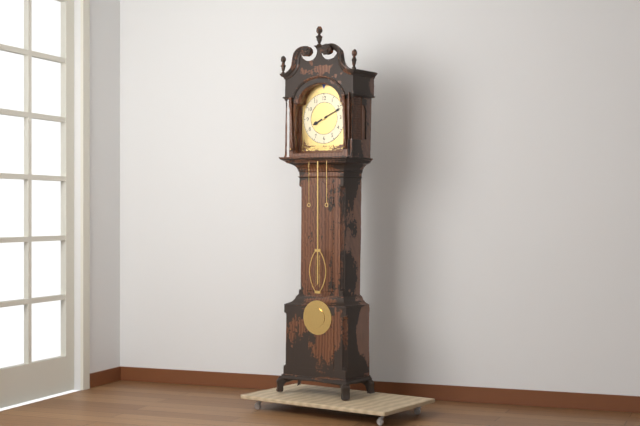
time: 8:11
